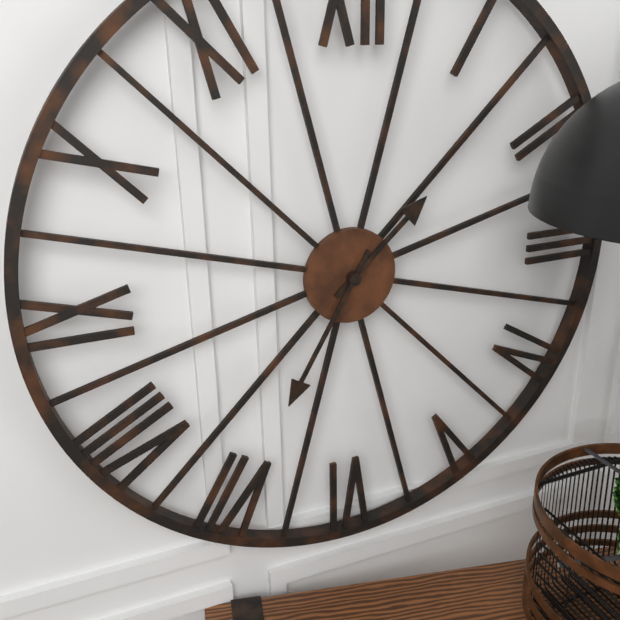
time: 1:35
